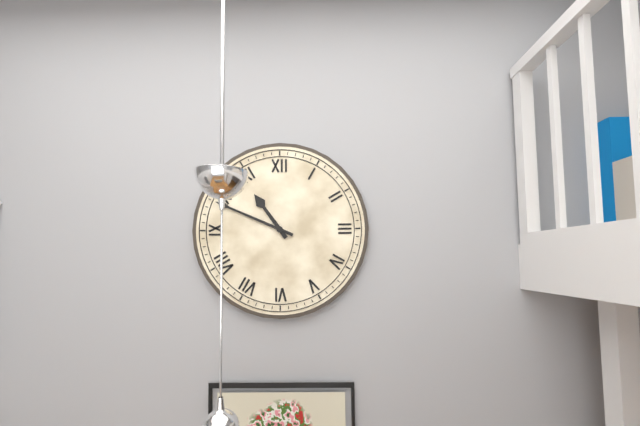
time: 10:49
